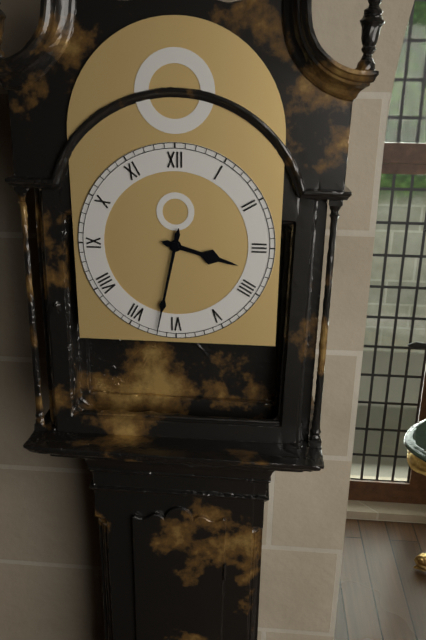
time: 3:32
